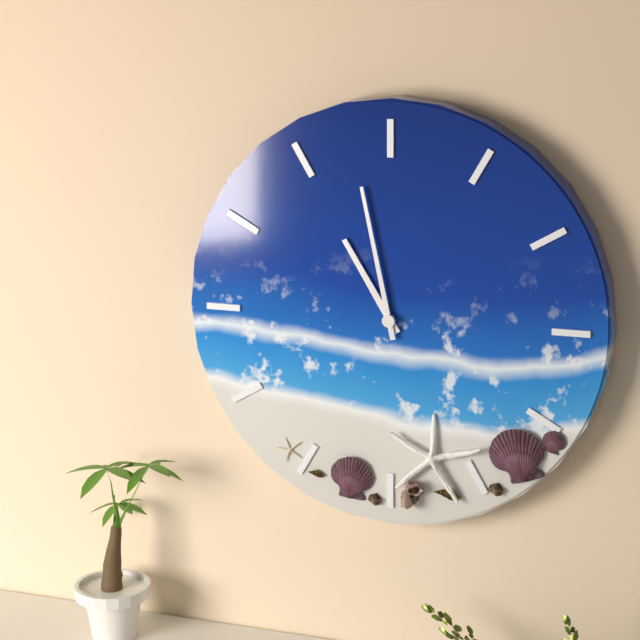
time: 10:58
